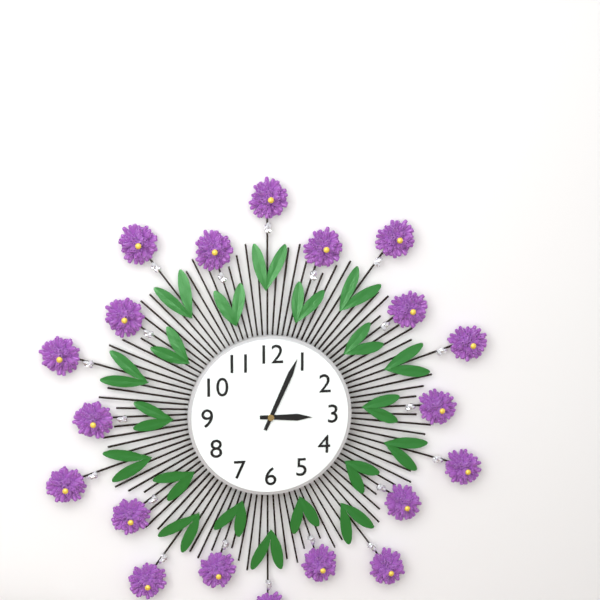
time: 3:04
